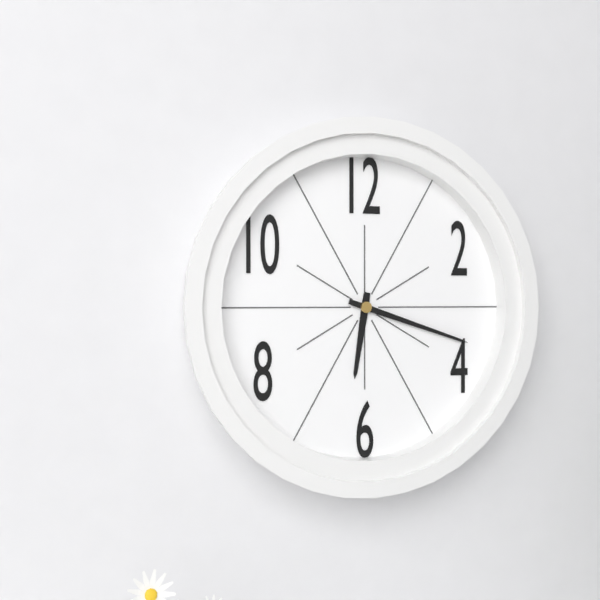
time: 6:18
